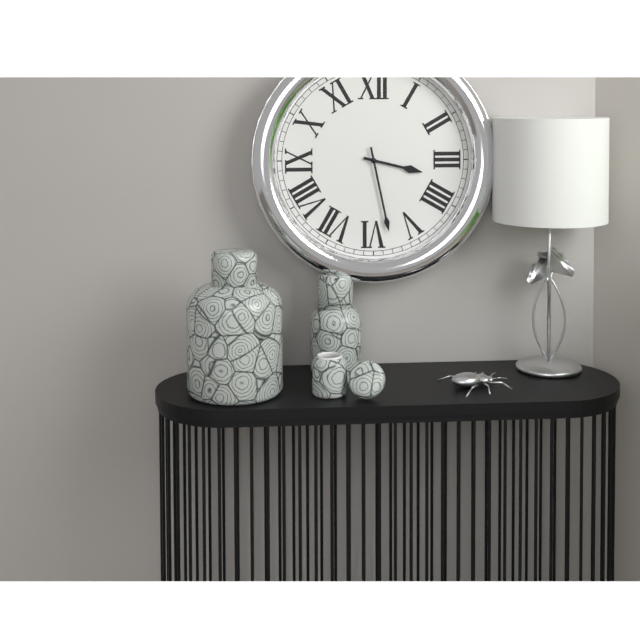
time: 3:28
